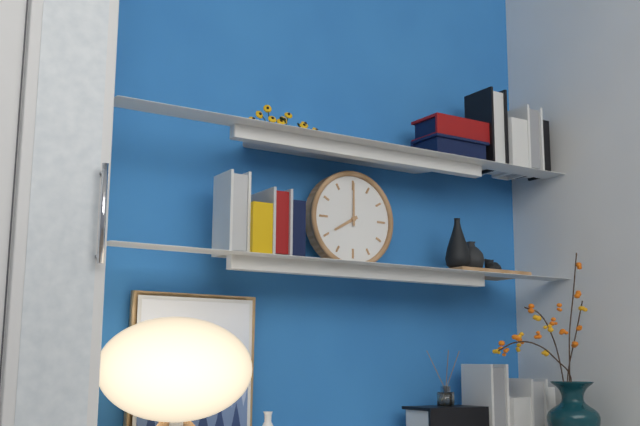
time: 8:00
